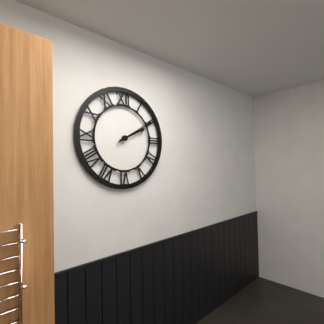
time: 2:10
